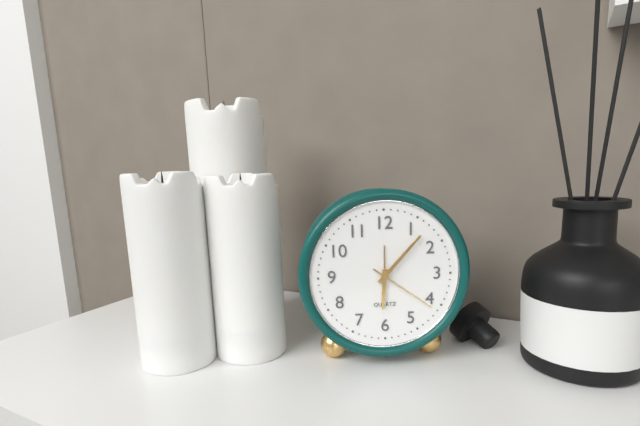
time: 6:07:21
